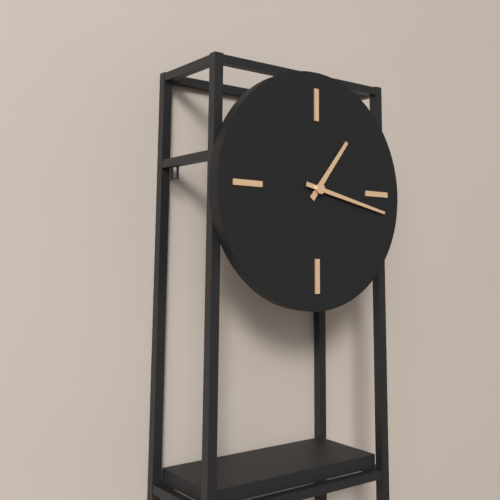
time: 1:17
